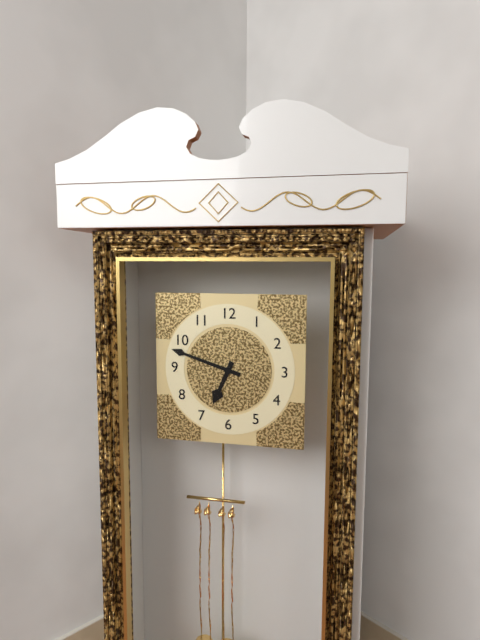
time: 6:48
